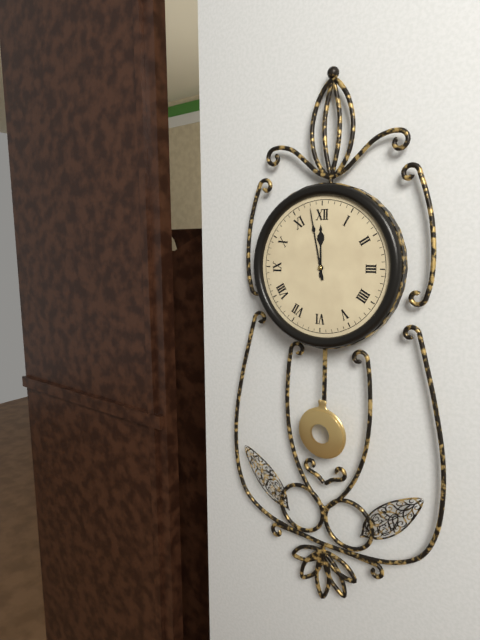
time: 11:58
